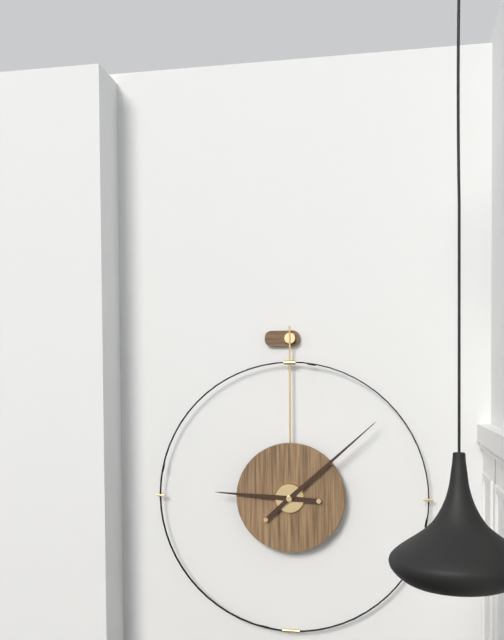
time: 9:08
